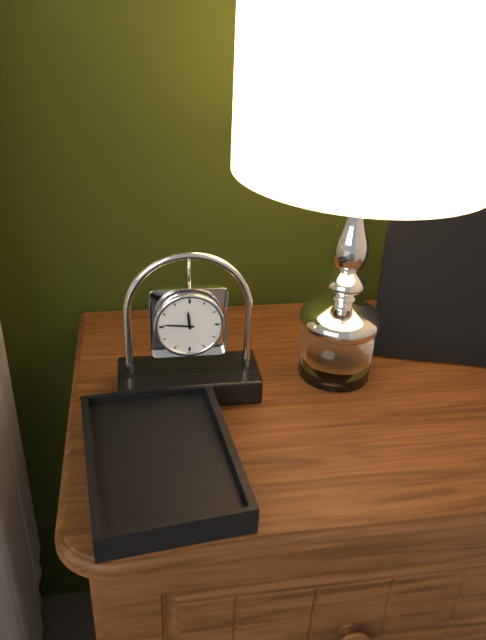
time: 11:46
